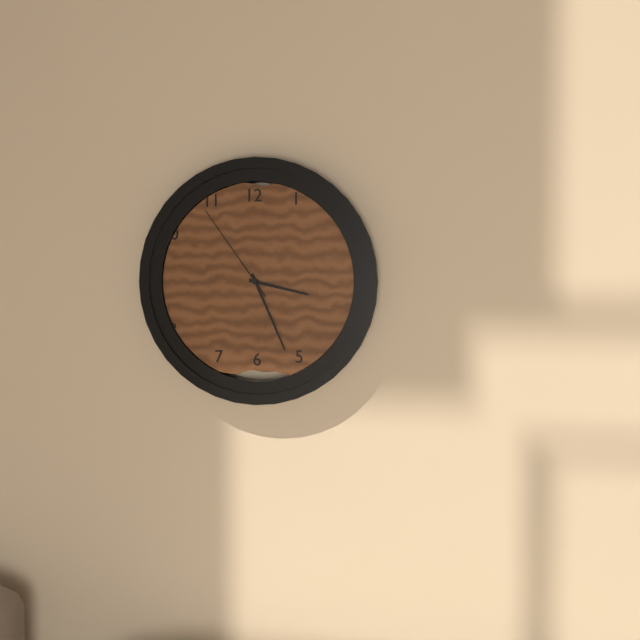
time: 3:26:54
